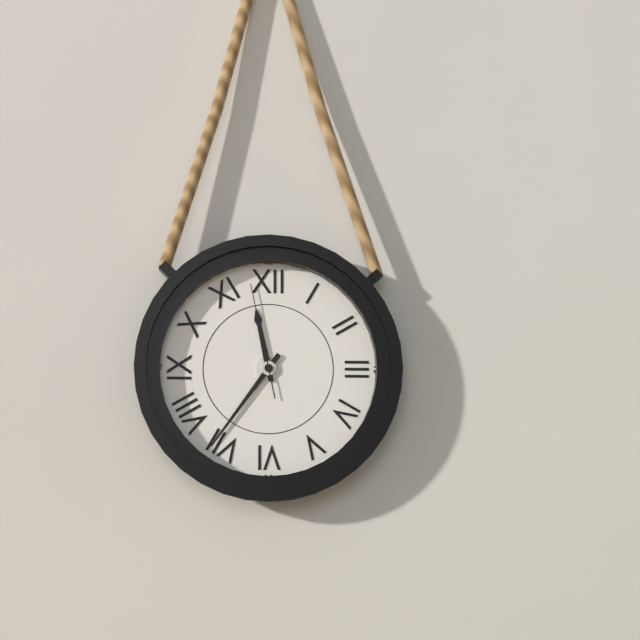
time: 11:36:58
